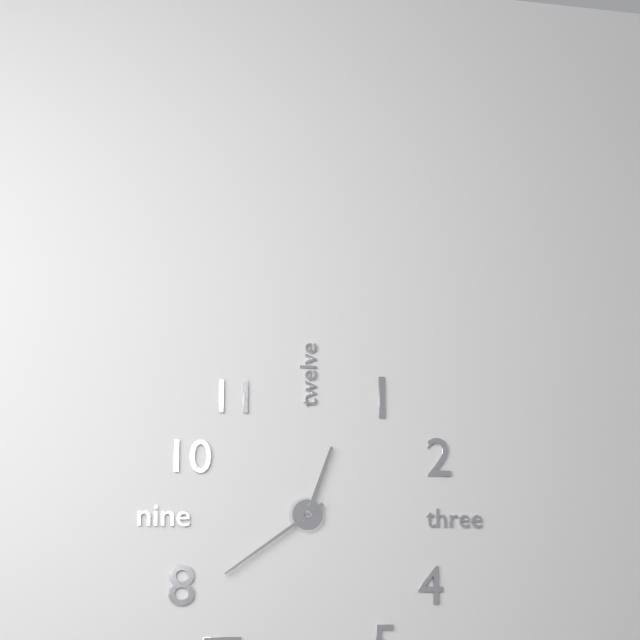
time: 12:39
